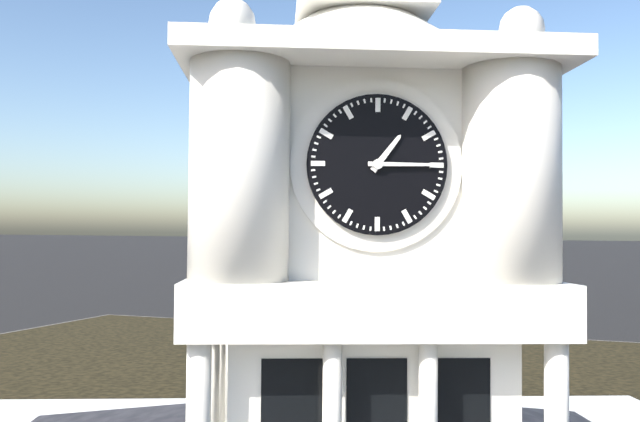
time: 1:15
